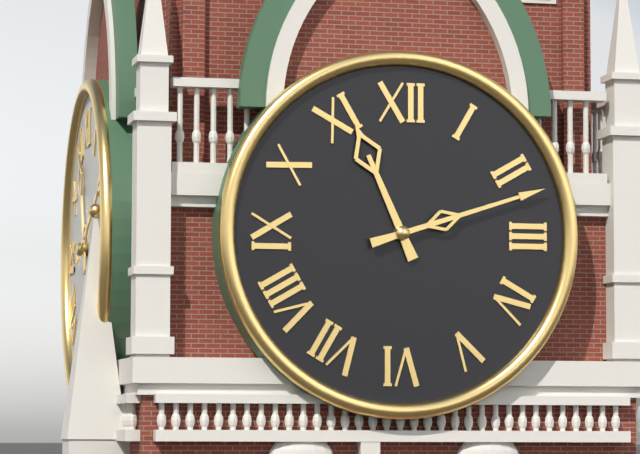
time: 11:12
